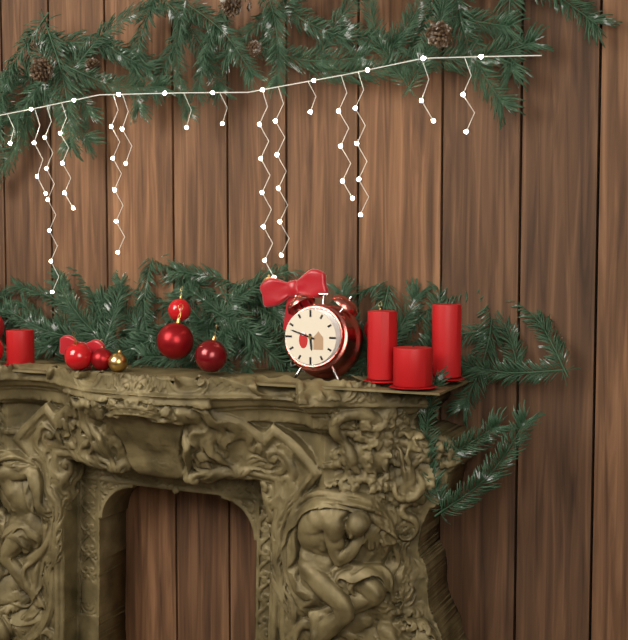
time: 5:48
